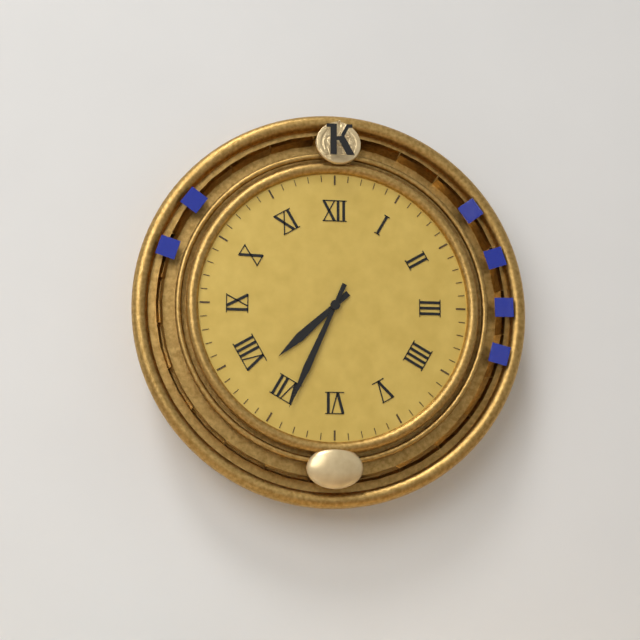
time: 7:34
